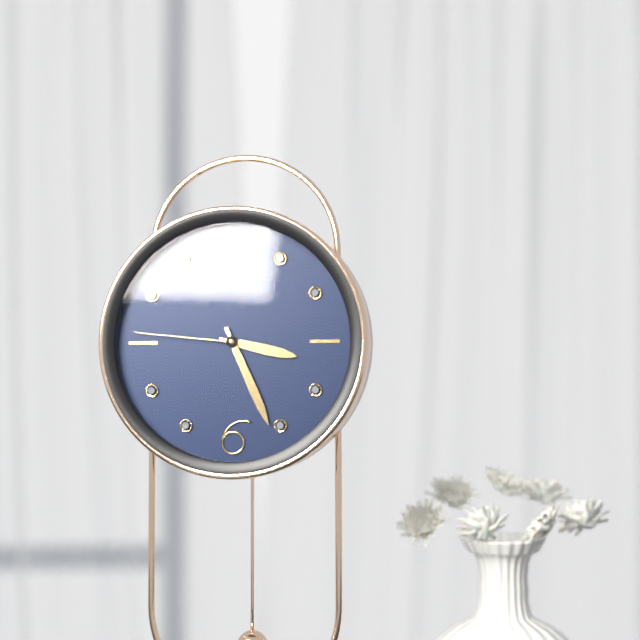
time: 3:26:46
